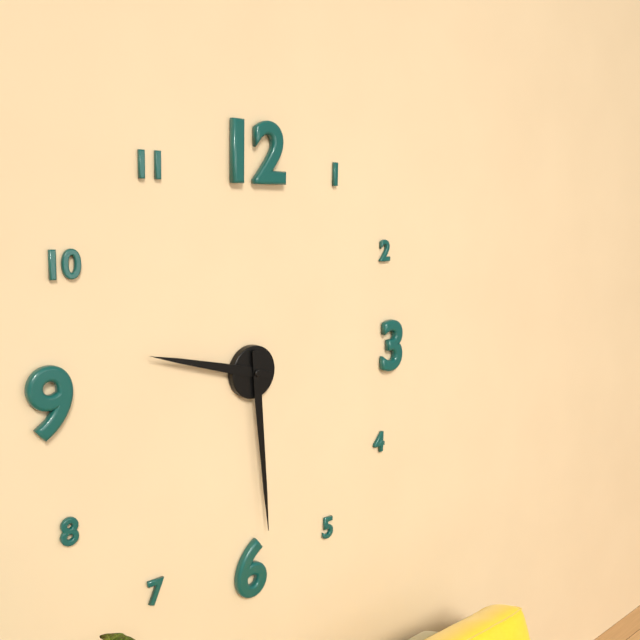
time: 9:29
